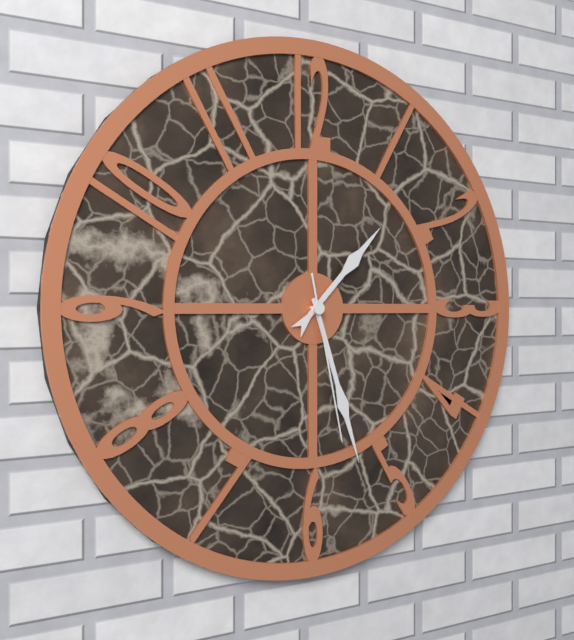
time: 1:27:28
